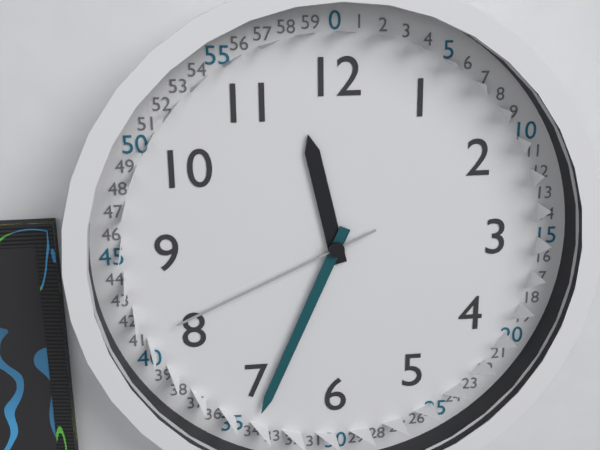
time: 11:34:41
